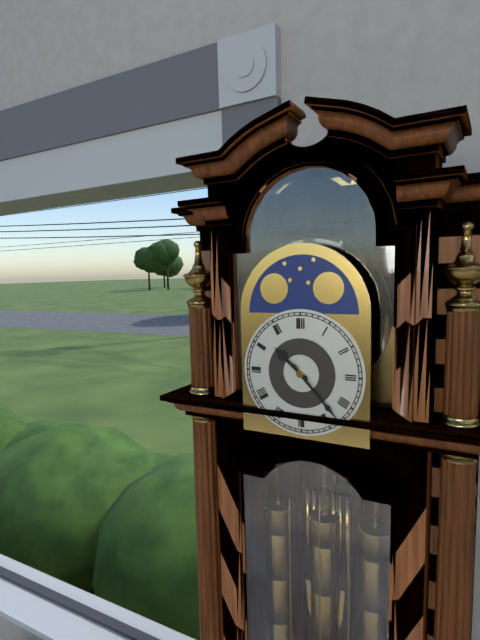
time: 10:23
